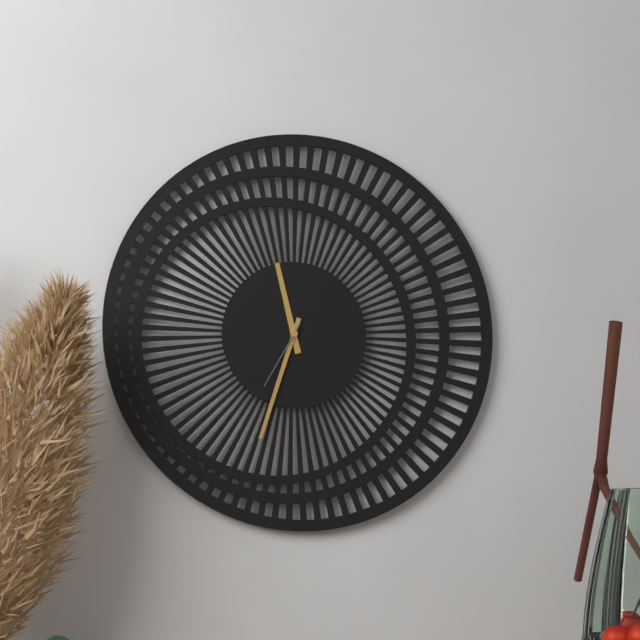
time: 11:33:35
